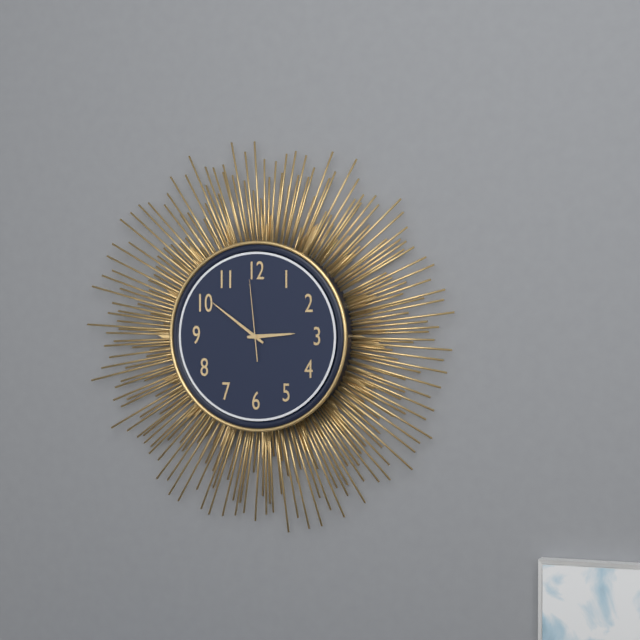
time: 2:51:59
